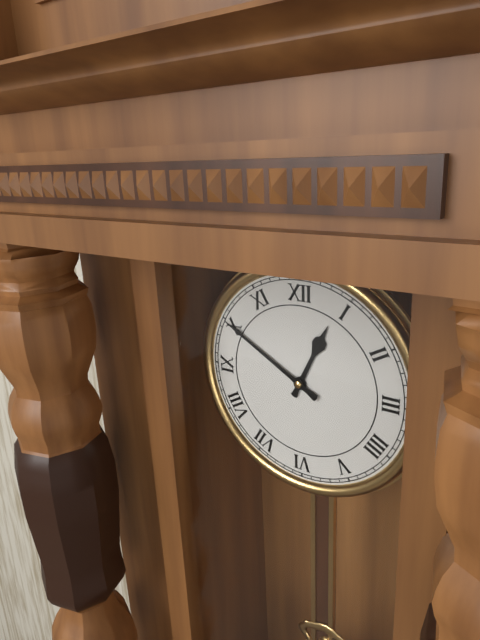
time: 12:50
